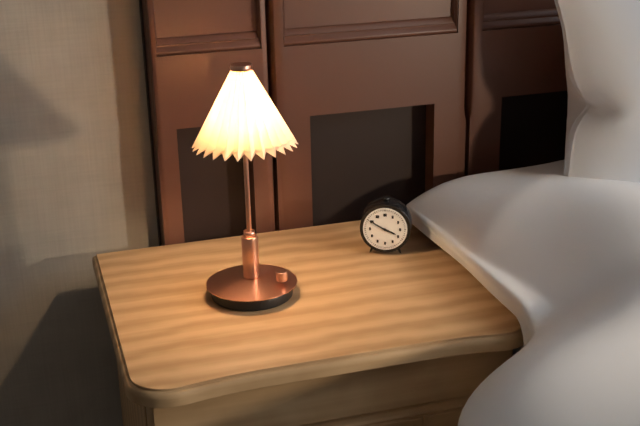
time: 3:50
